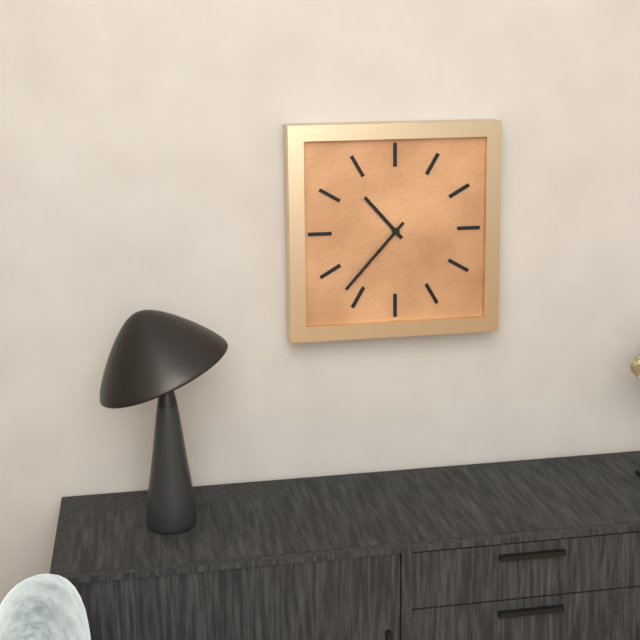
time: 10:37
